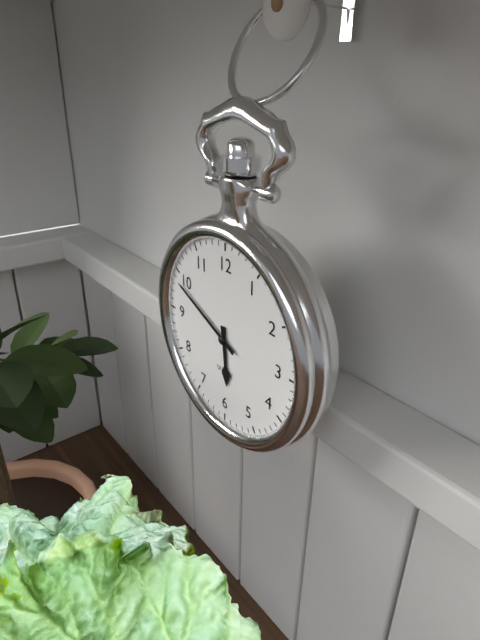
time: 5:49
